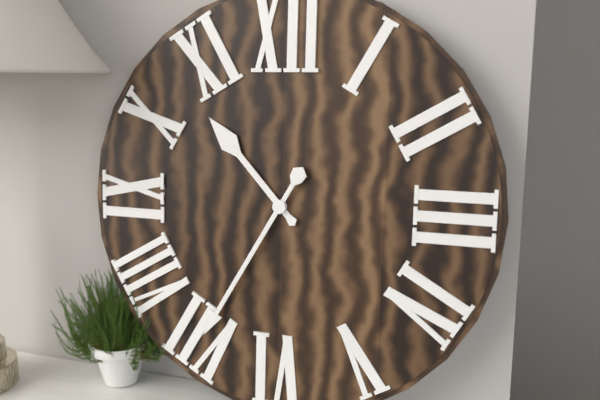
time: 10:35
